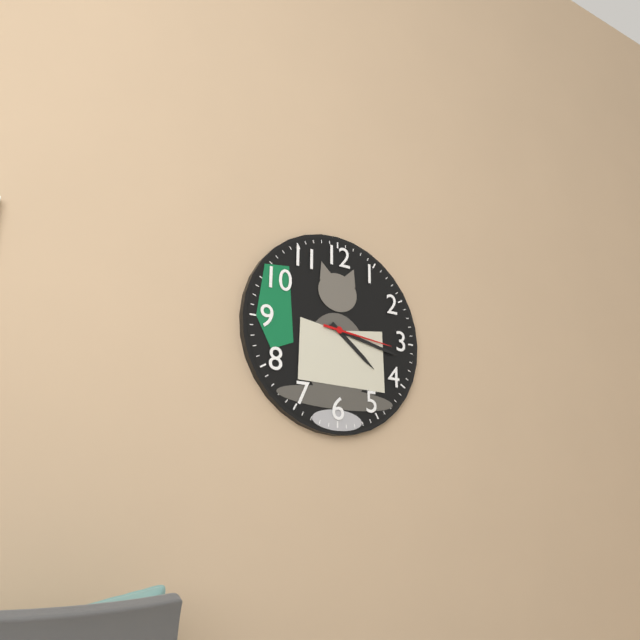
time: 4:17:16
